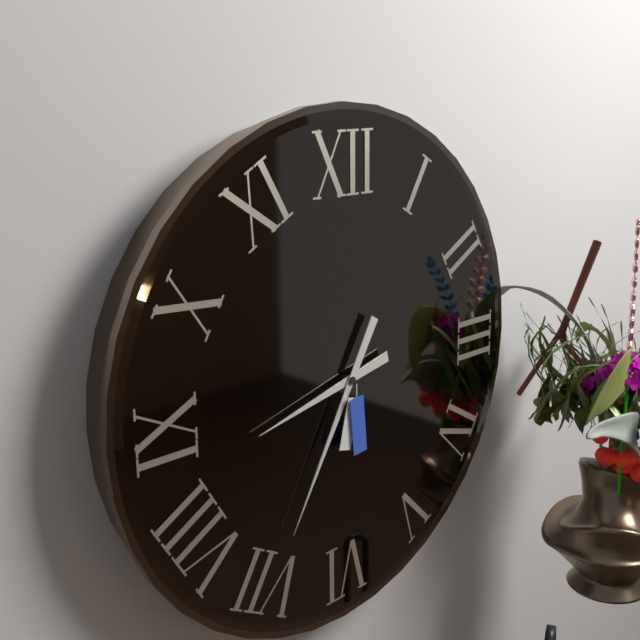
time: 8:35
